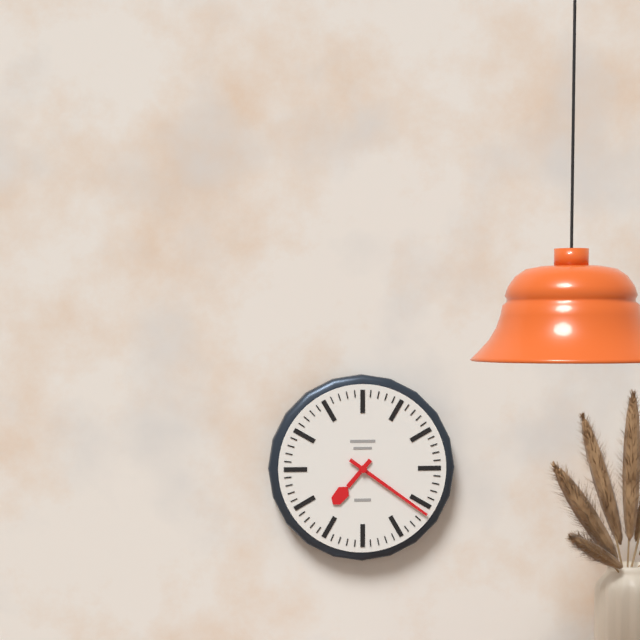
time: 7:21
